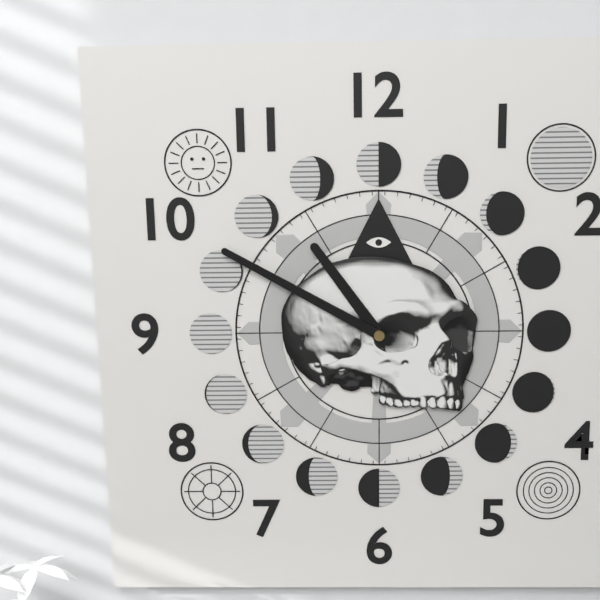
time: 10:50
